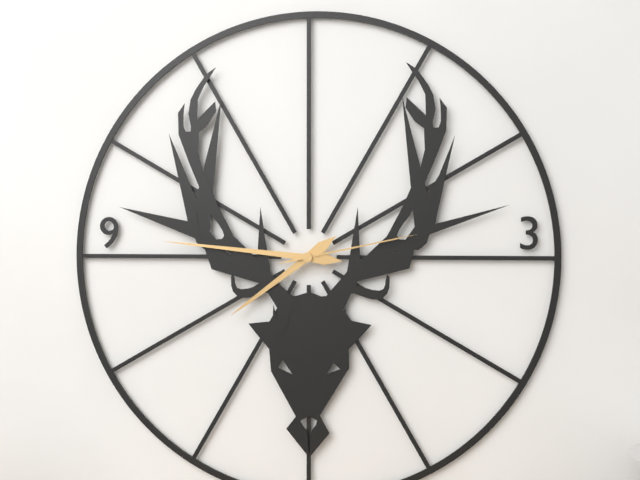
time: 7:46:13
